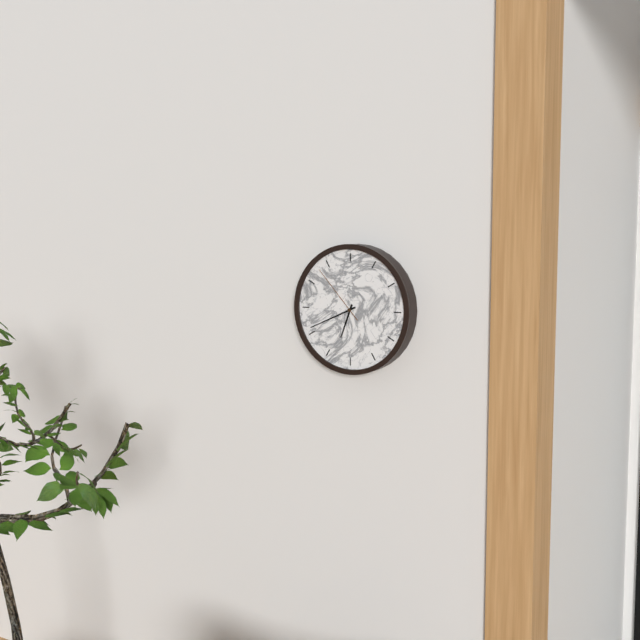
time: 6:41:53
